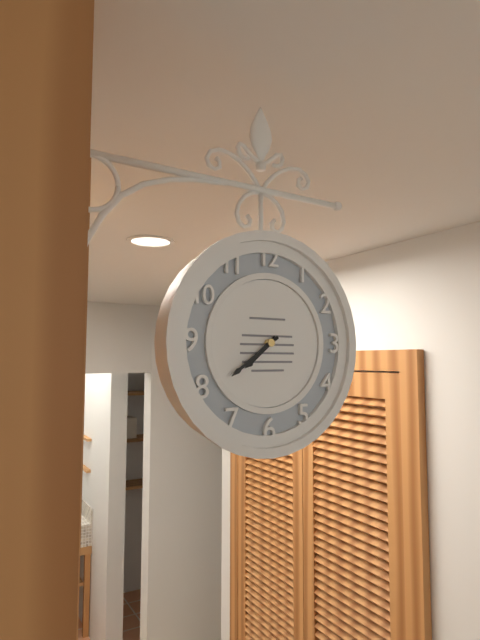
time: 7:39
